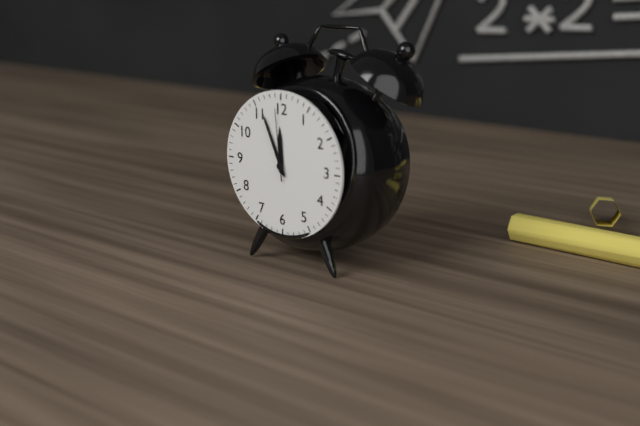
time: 11:56:59
